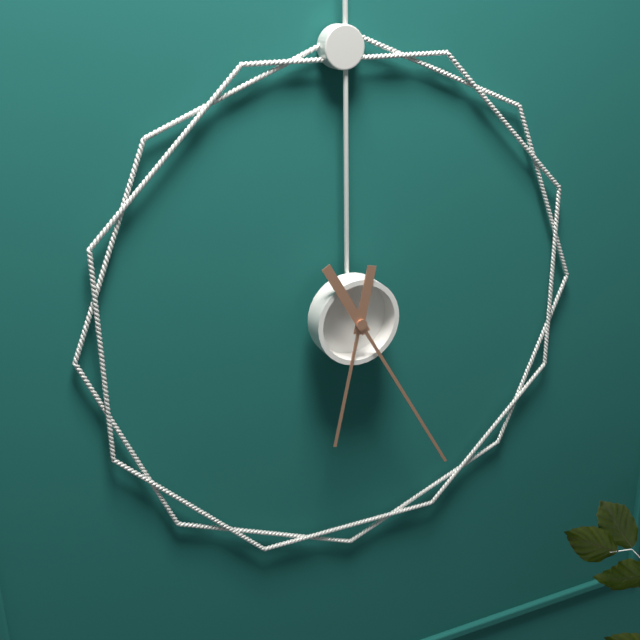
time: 6:25
